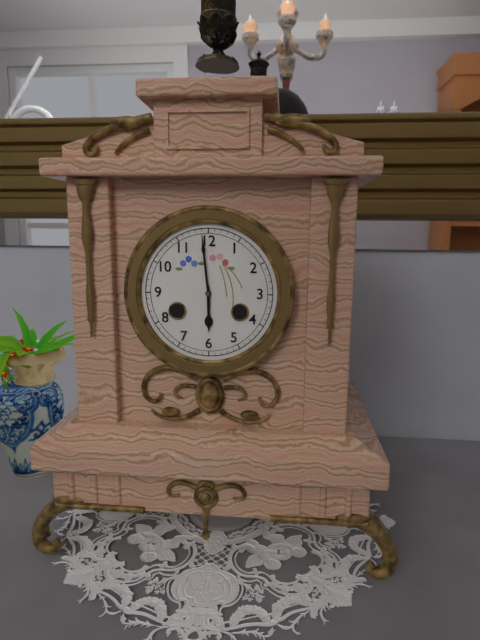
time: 5:59
